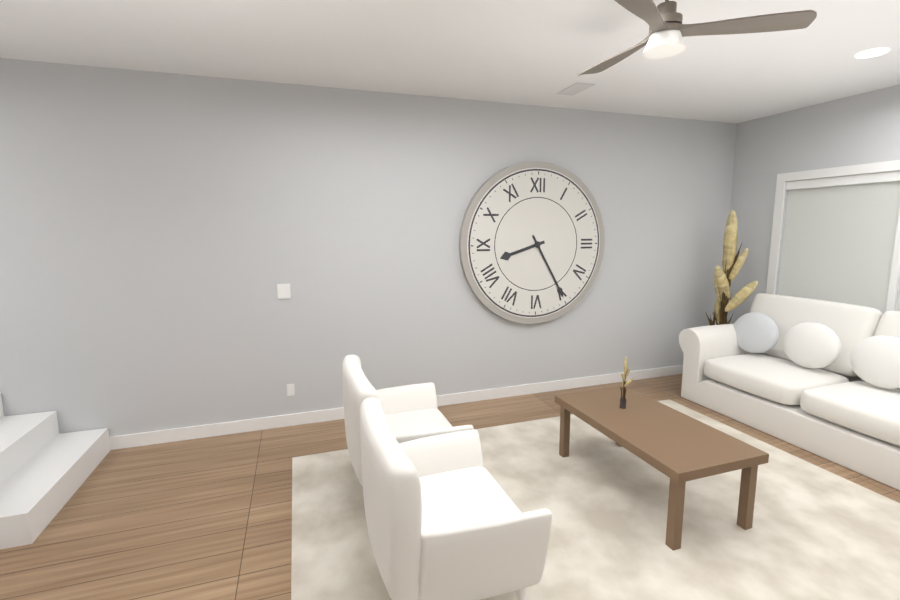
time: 8:25
